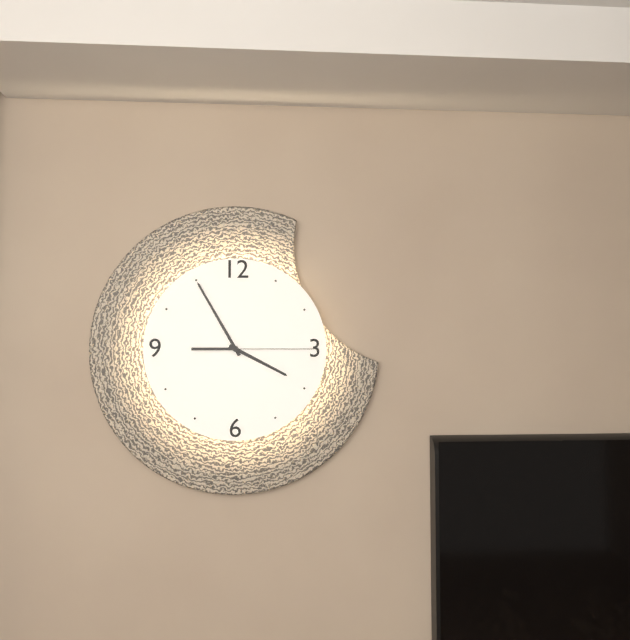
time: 3:55:15
